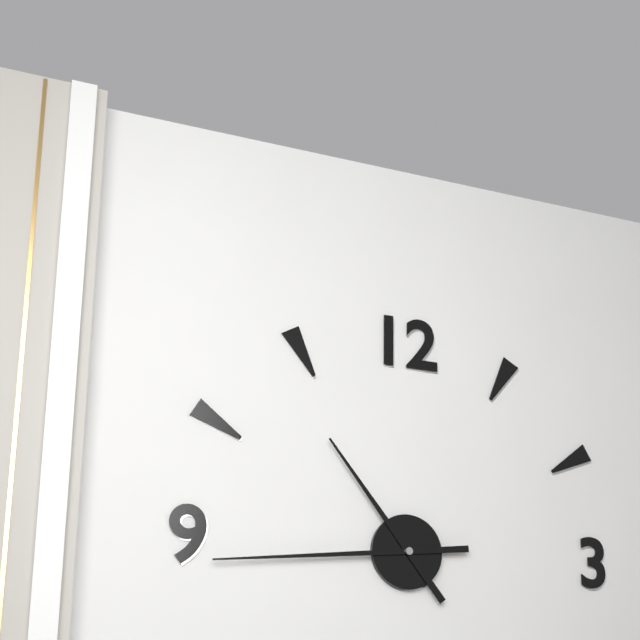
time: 10:44
